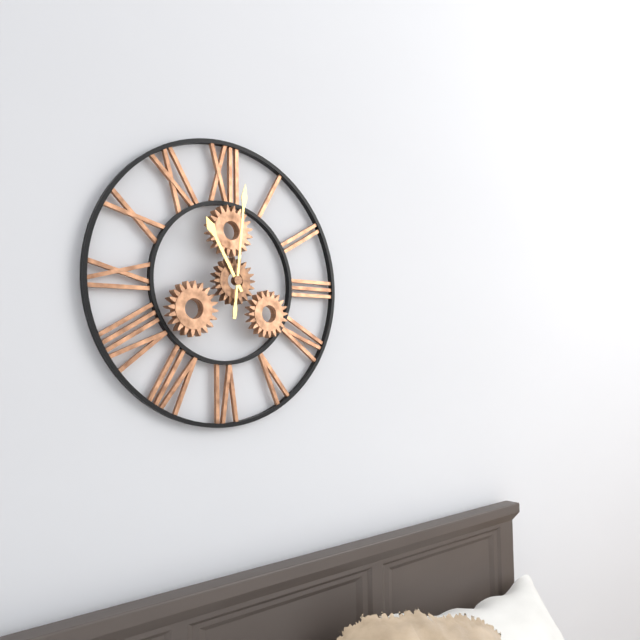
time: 11:01
